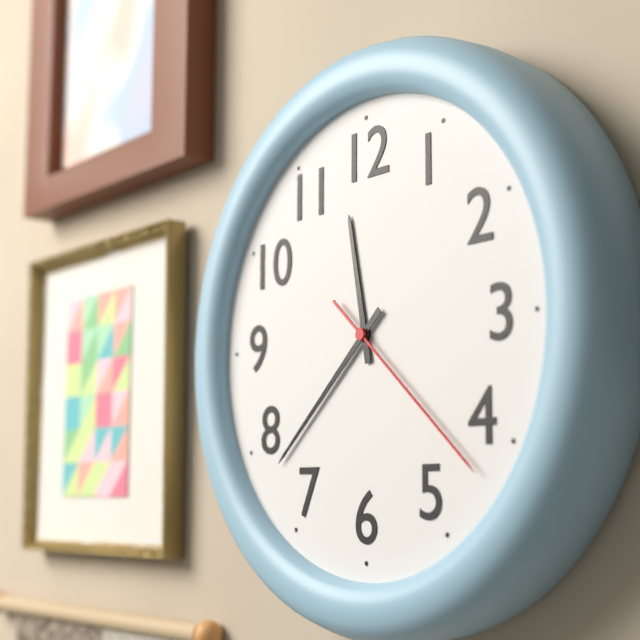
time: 11:38:22
